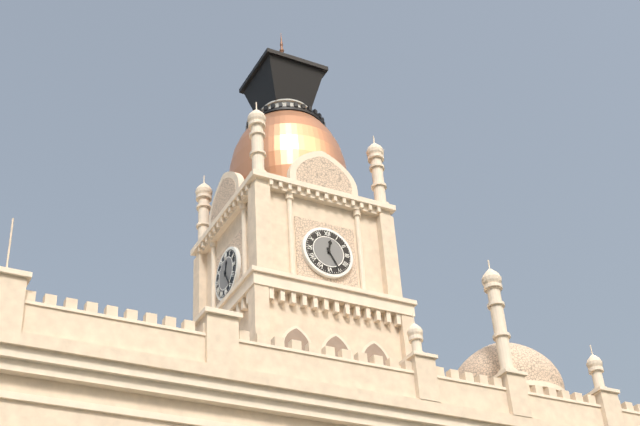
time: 12:25
